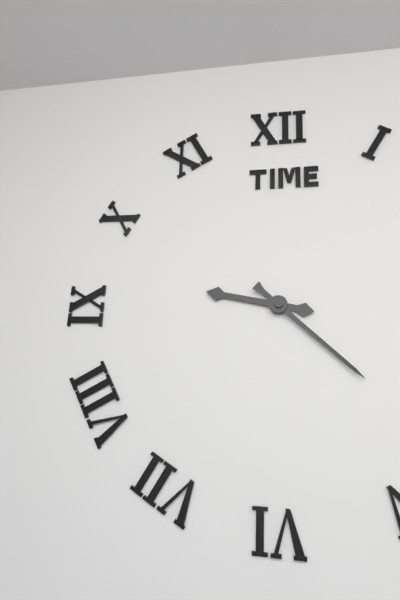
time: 9:22
